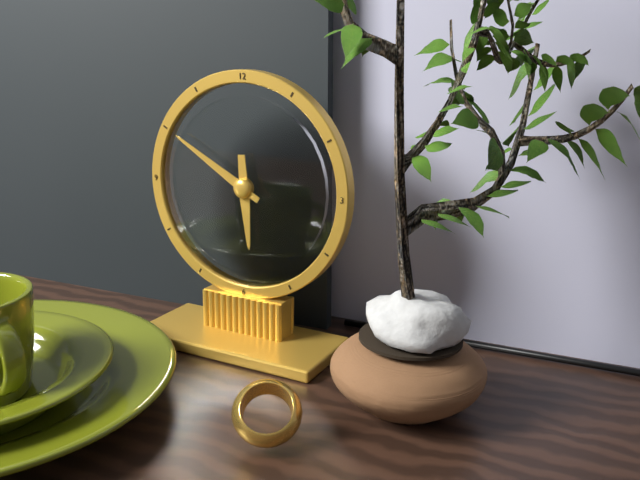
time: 5:50
